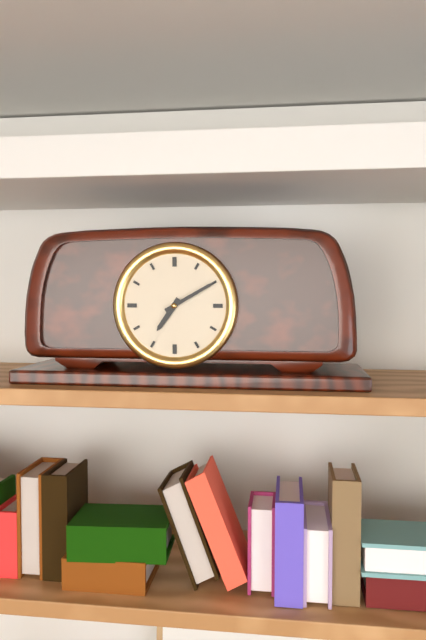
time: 7:10
